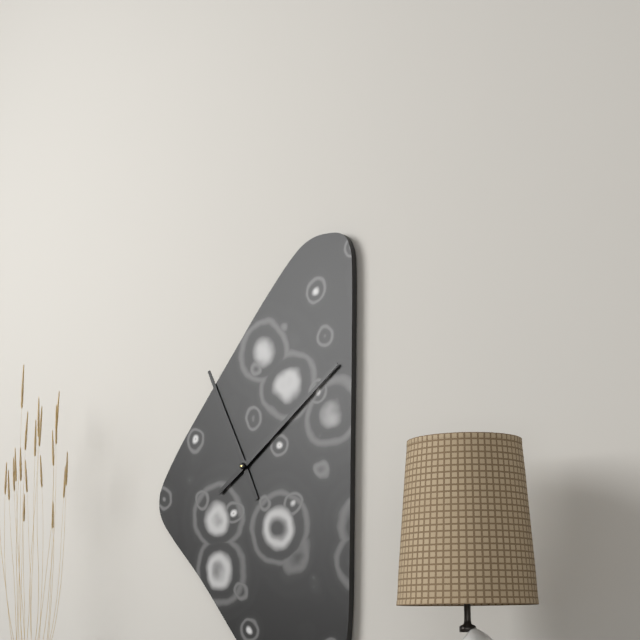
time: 11:09
